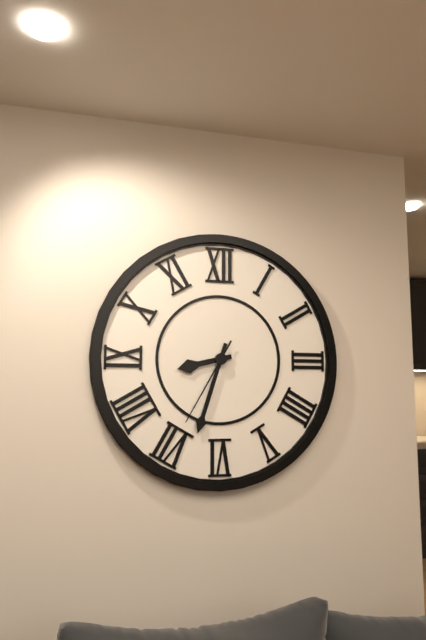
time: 8:33:35
